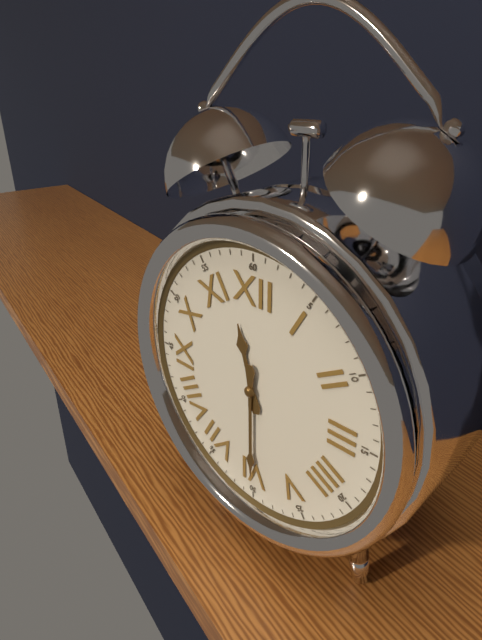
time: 11:30
